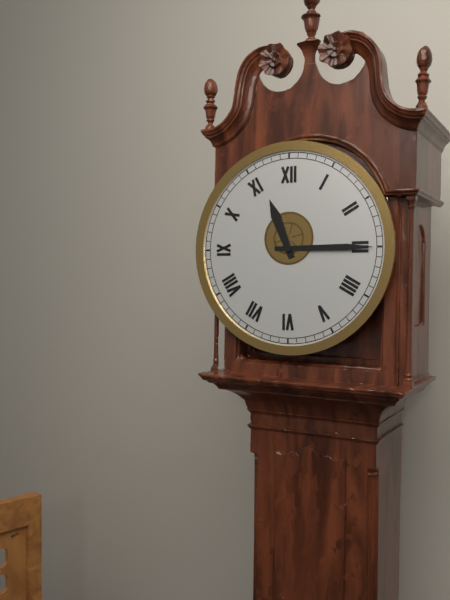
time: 11:15
